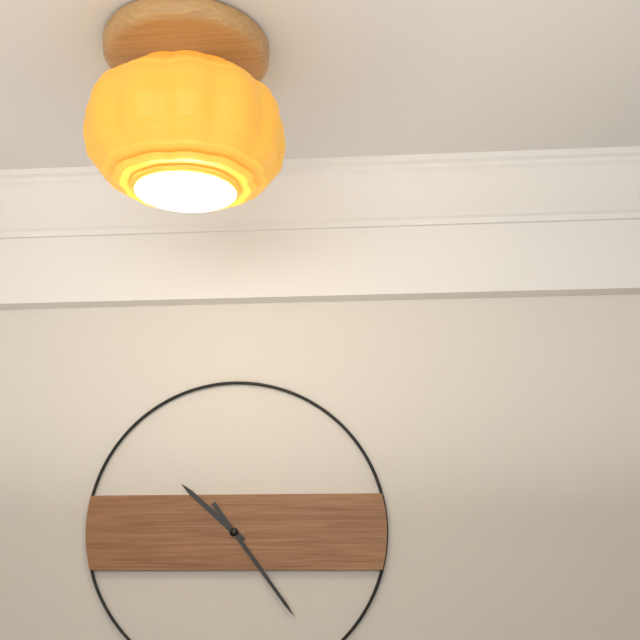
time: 10:24
